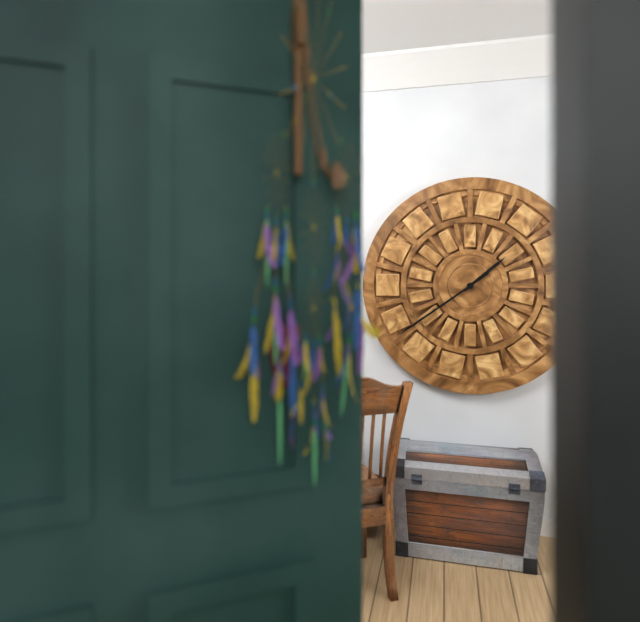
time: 1:39
